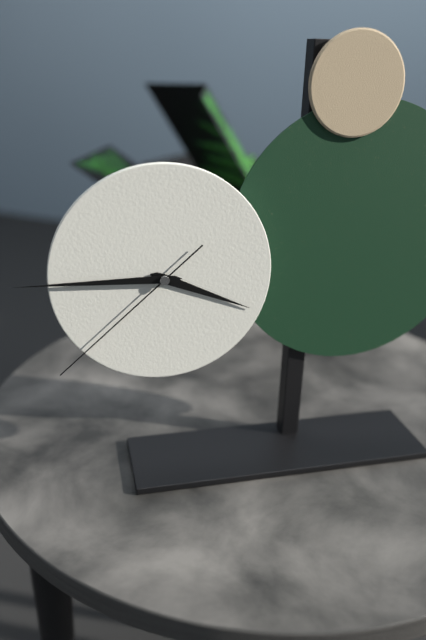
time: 3:45:38
